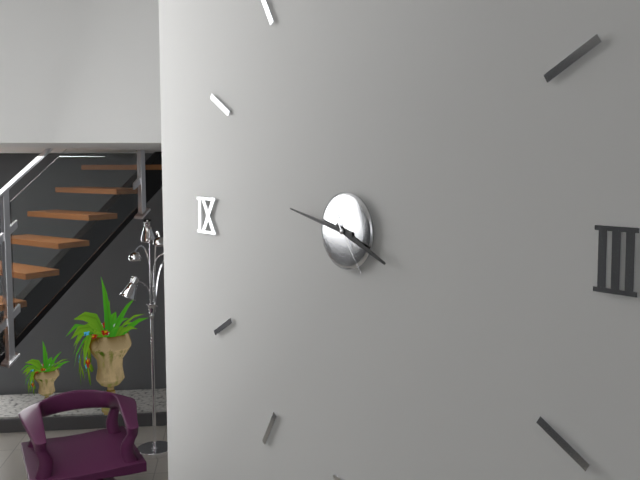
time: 3:47:24
